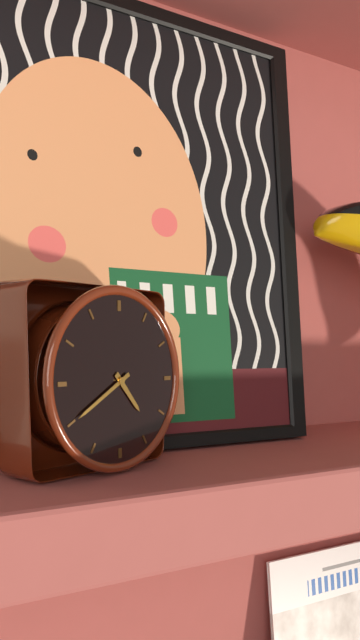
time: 4:40
